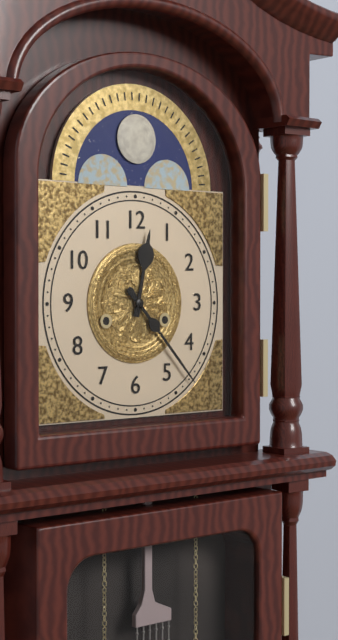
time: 12:23
